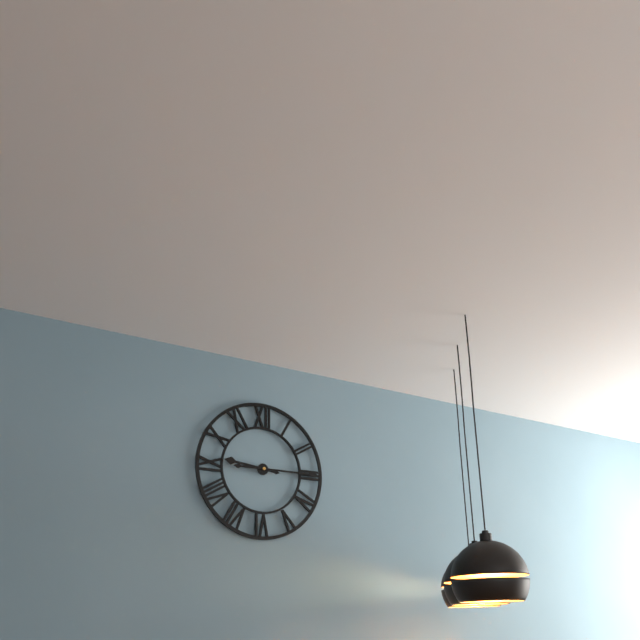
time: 9:15
